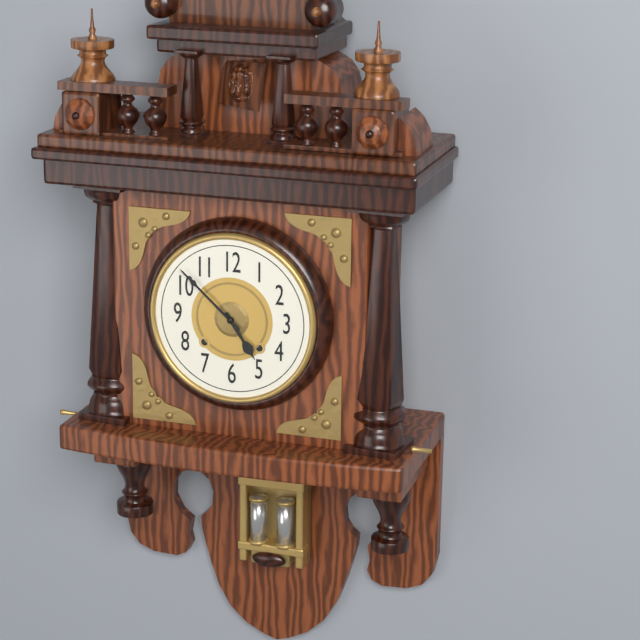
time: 4:52
